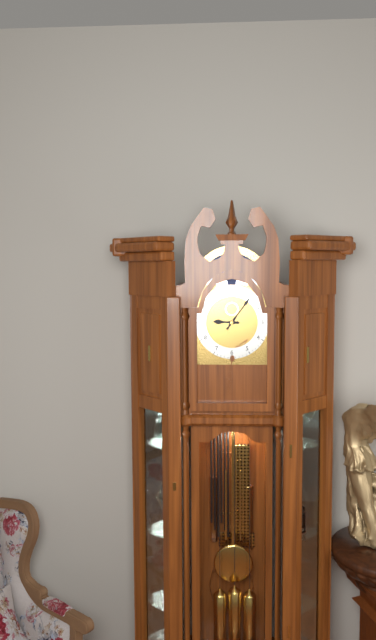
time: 9:06
